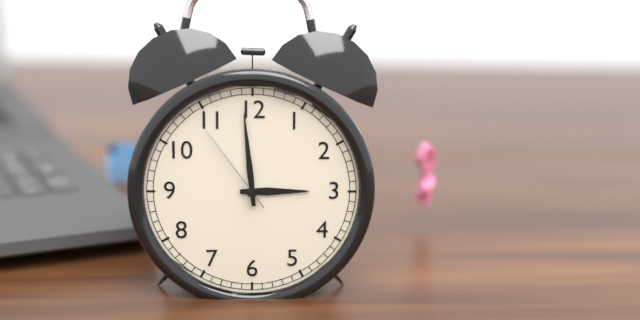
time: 2:59:54
